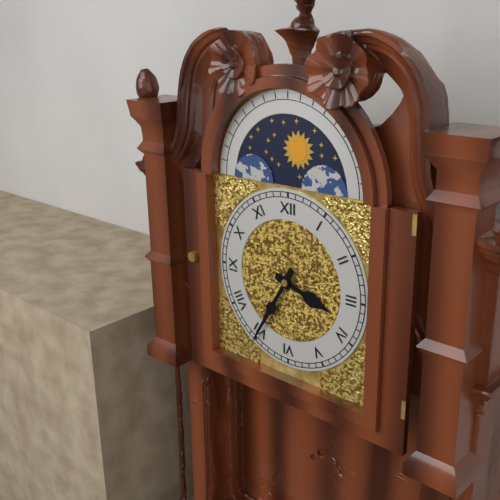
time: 3:35
